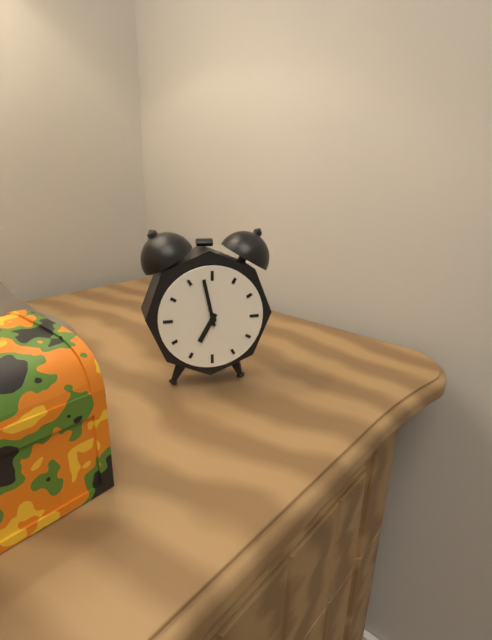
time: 6:58
